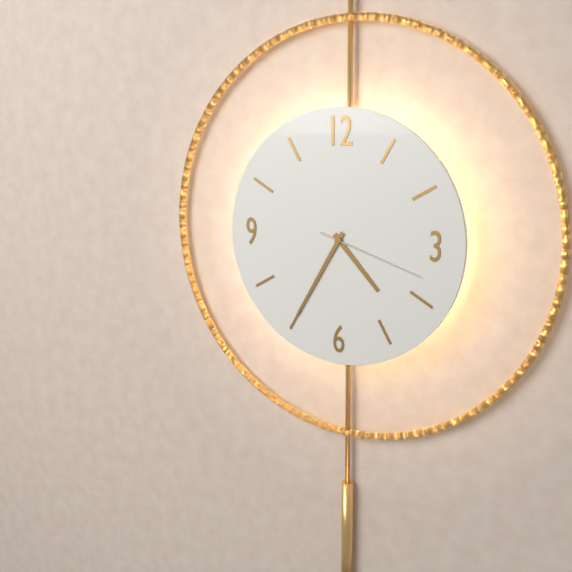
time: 4:35:18
